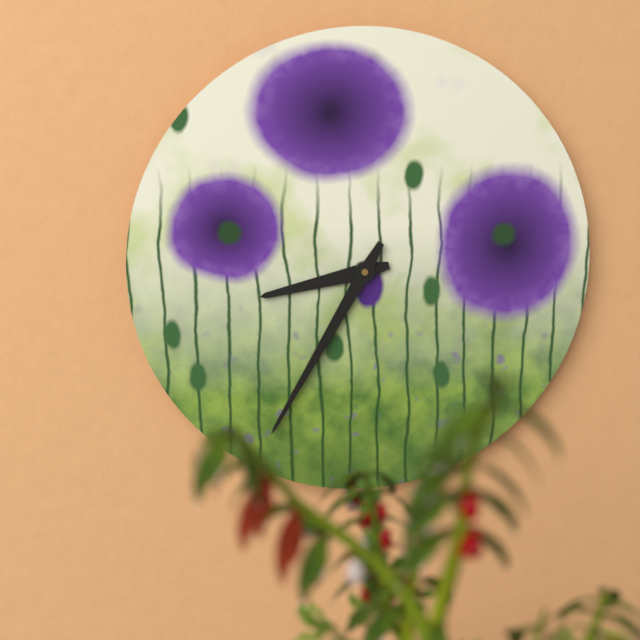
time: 8:35
